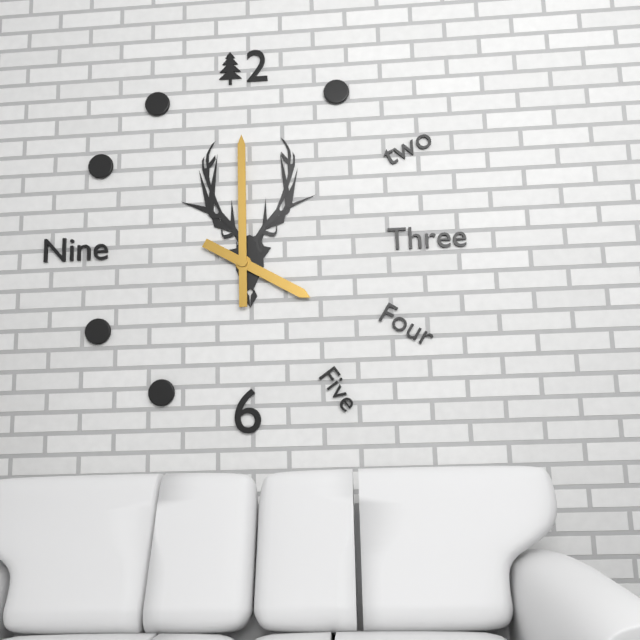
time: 4:00
